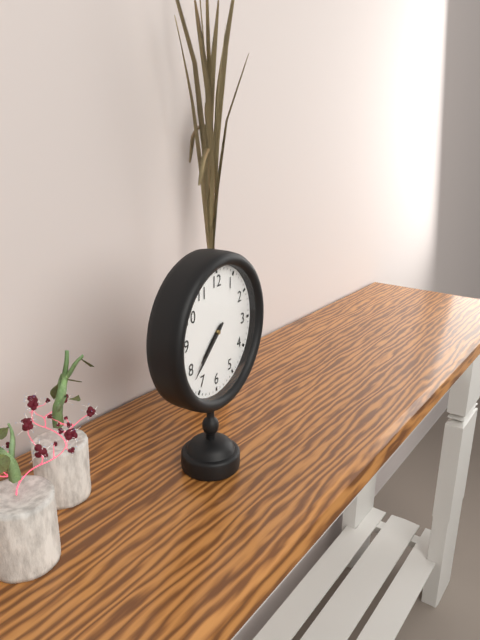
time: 7:38
